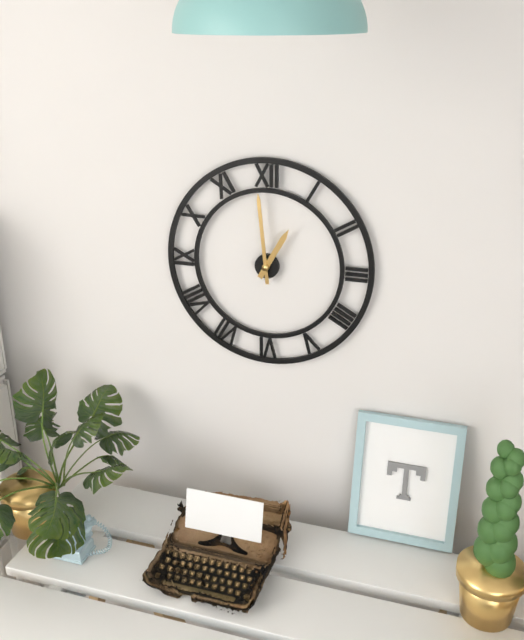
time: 12:59
